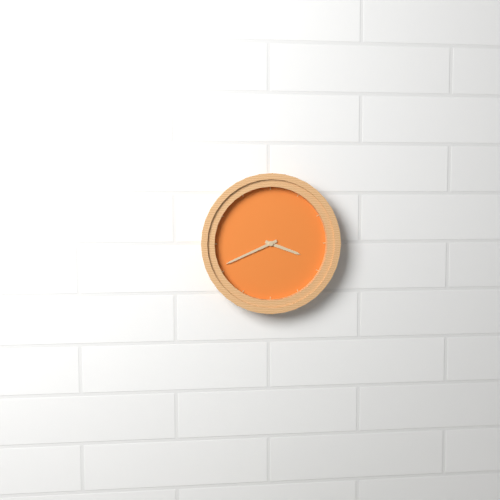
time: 3:41
